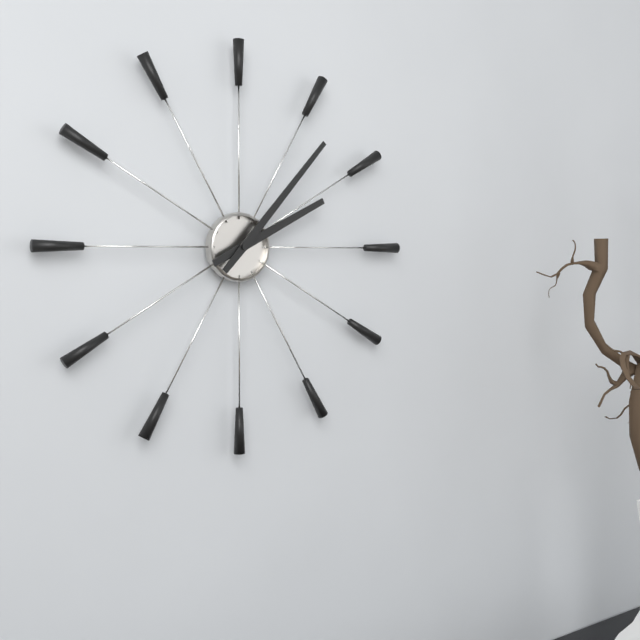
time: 2:07
